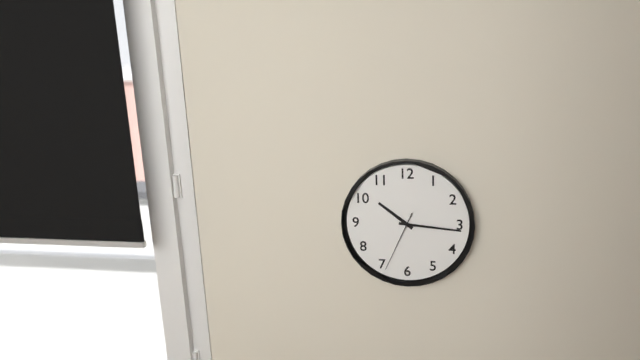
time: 10:16:34
